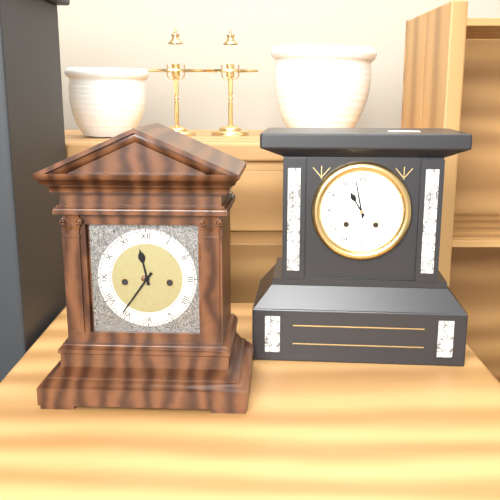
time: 11:36
